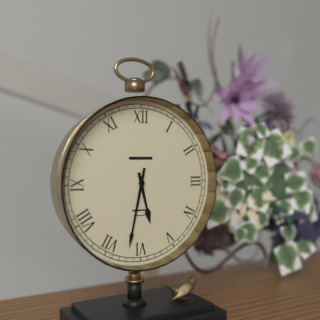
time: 5:32
